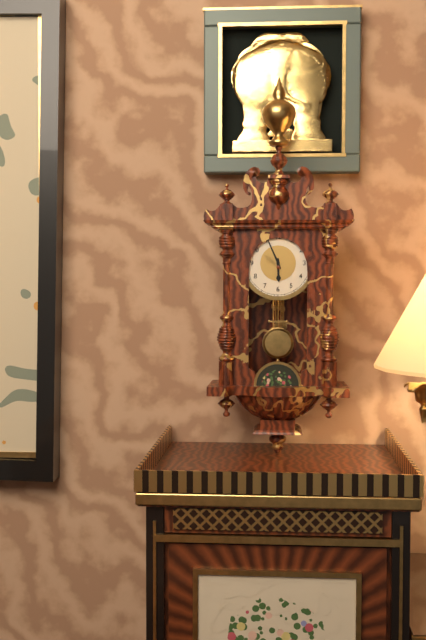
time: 5:56
